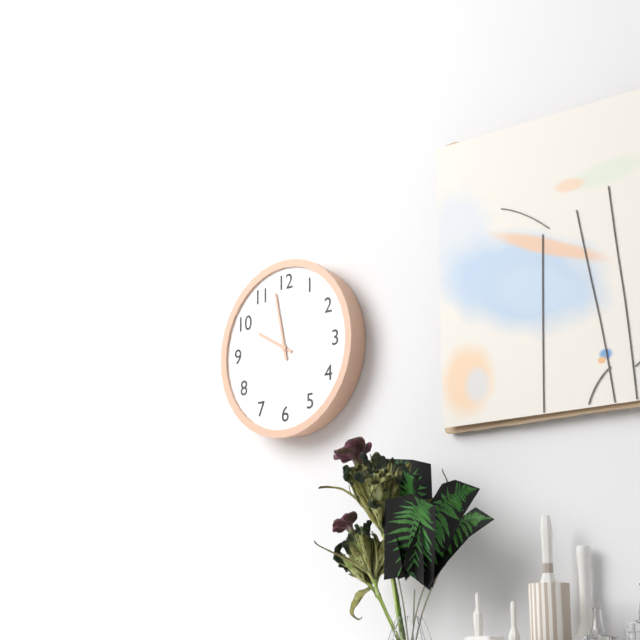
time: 9:58
